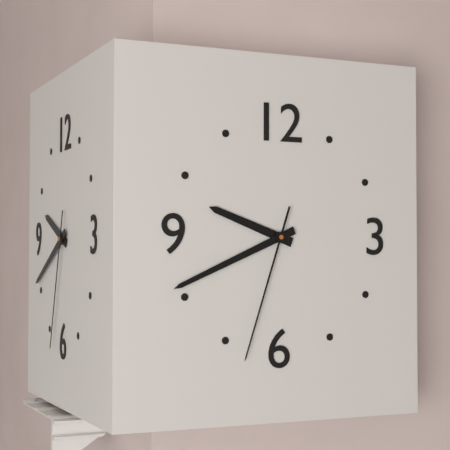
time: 9:41:33
